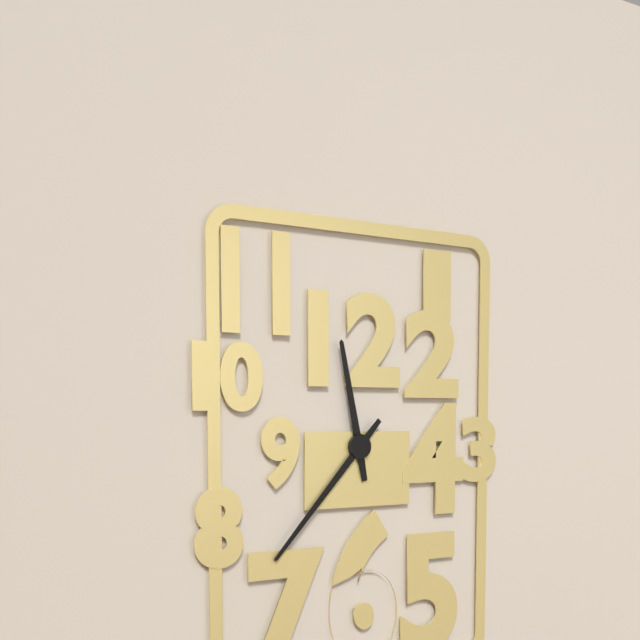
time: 11:37
